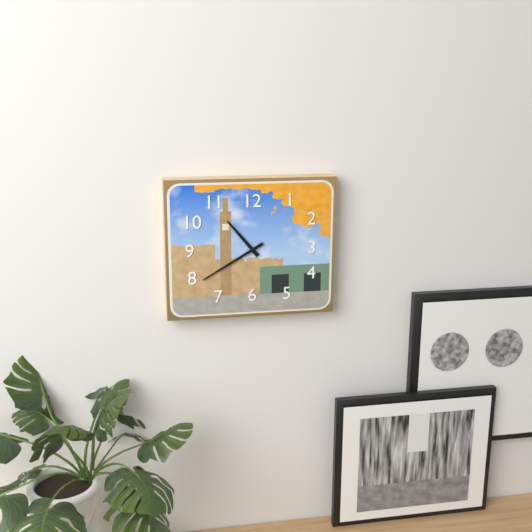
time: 10:40
